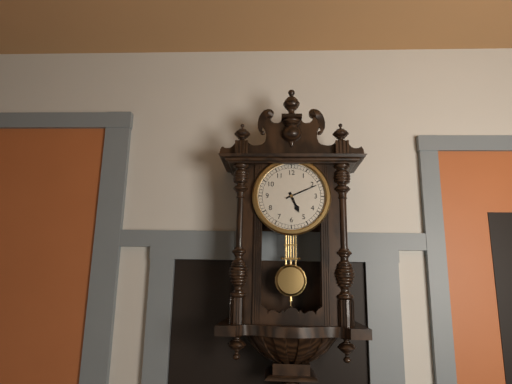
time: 5:11
